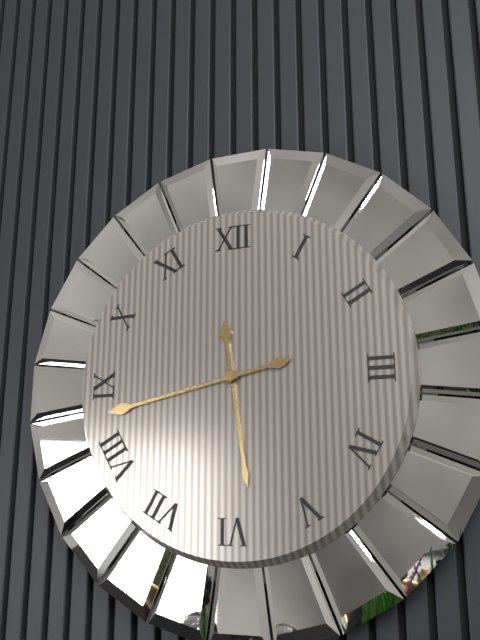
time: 5:43
